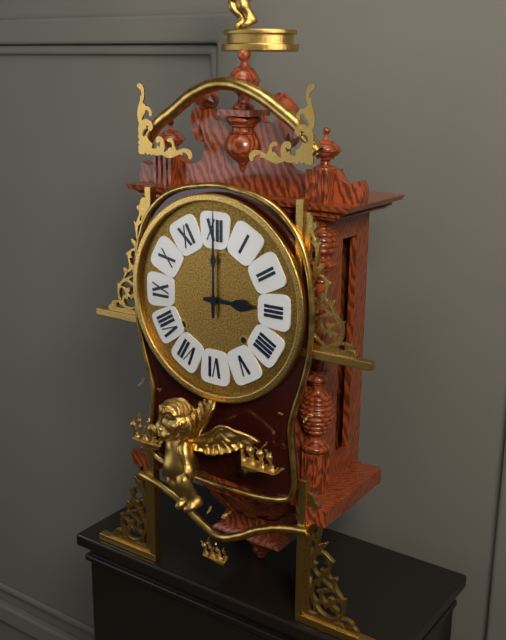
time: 3:00
